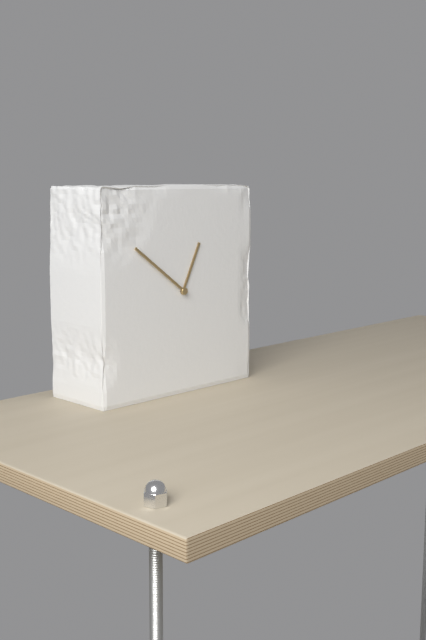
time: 12:51
